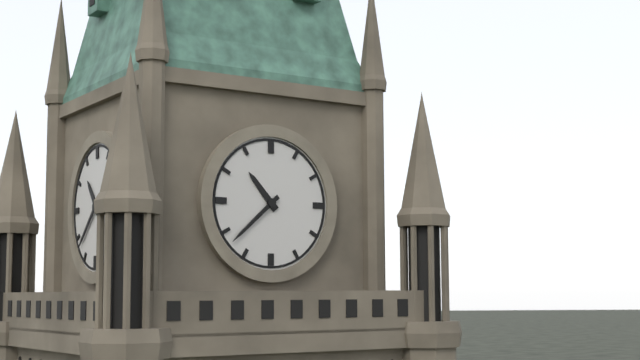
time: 10:38
